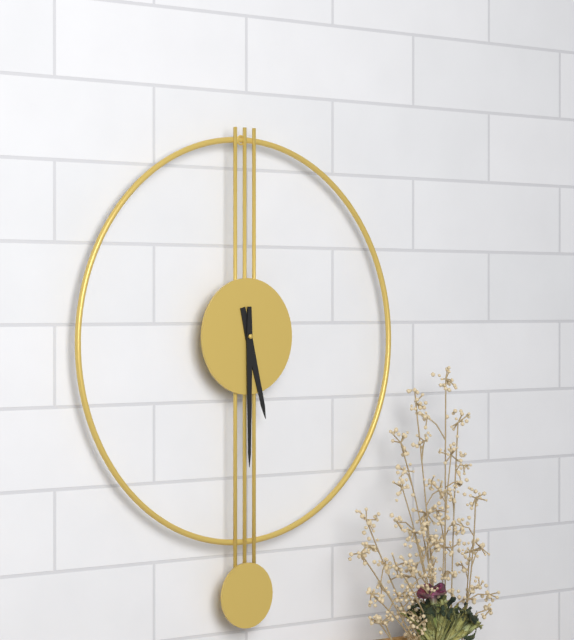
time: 5:30
